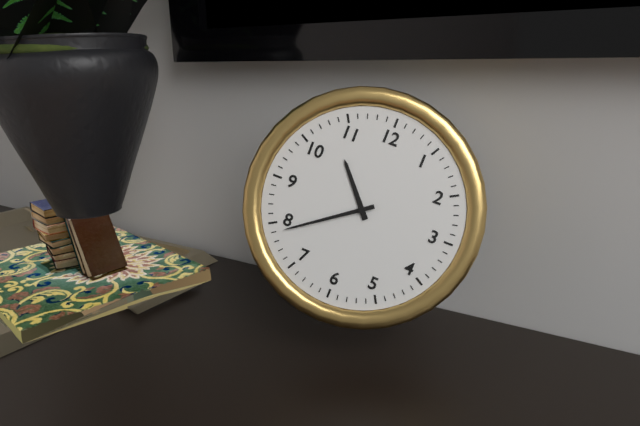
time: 10:39
